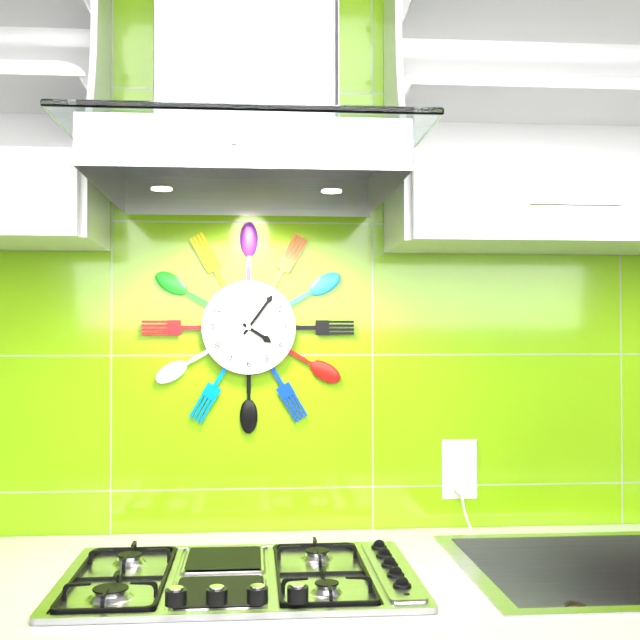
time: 4:06
